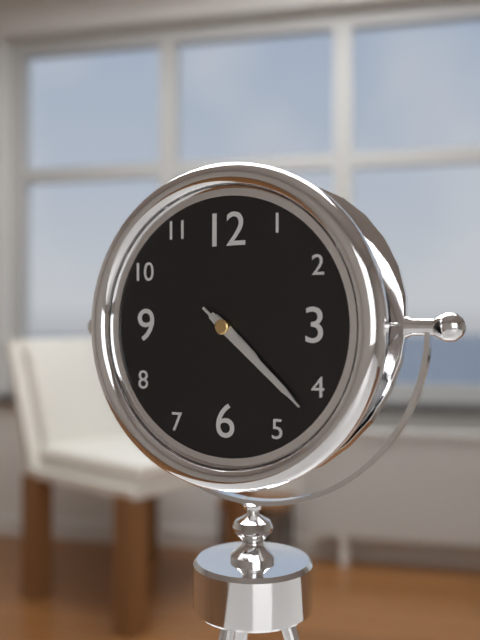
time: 4:22:22
